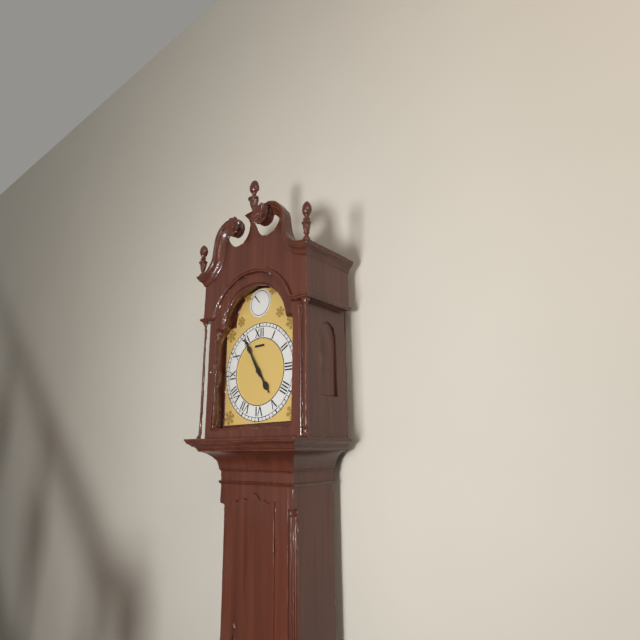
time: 4:55
